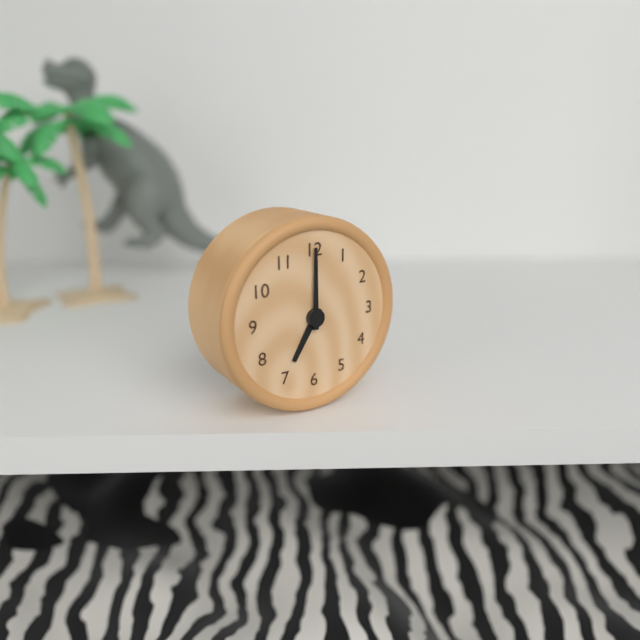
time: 7:00
